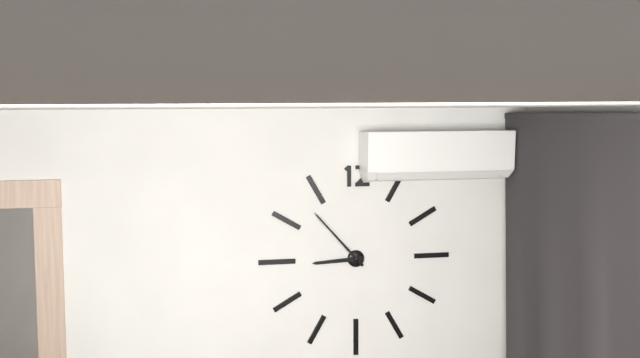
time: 8:53
